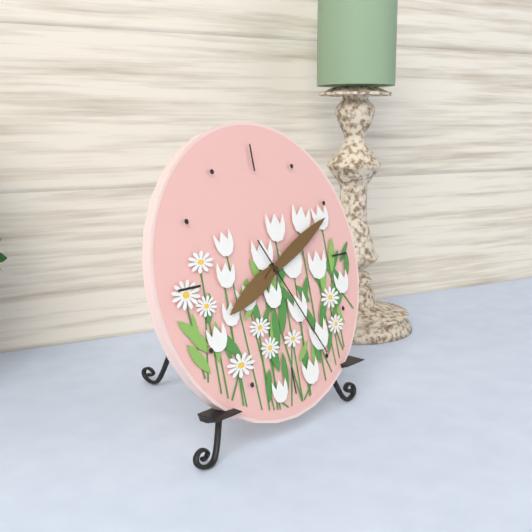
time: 8:11:25
